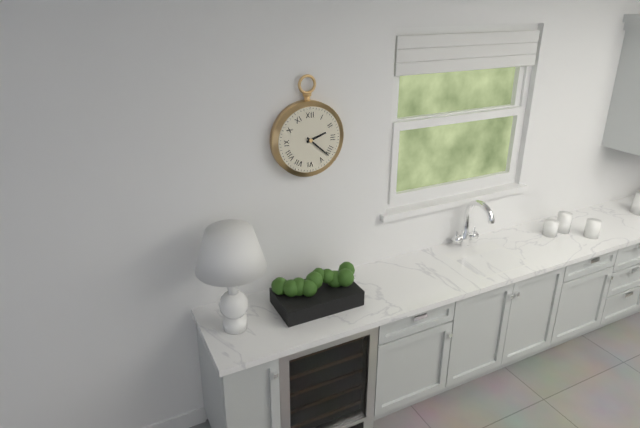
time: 2:22
